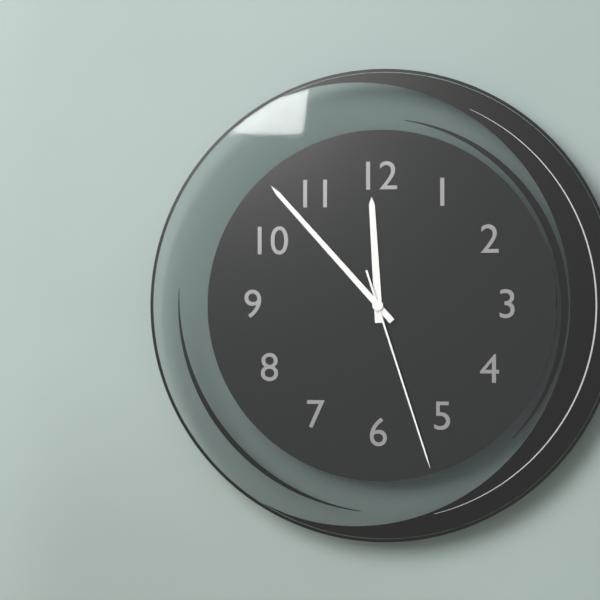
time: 11:53:27
